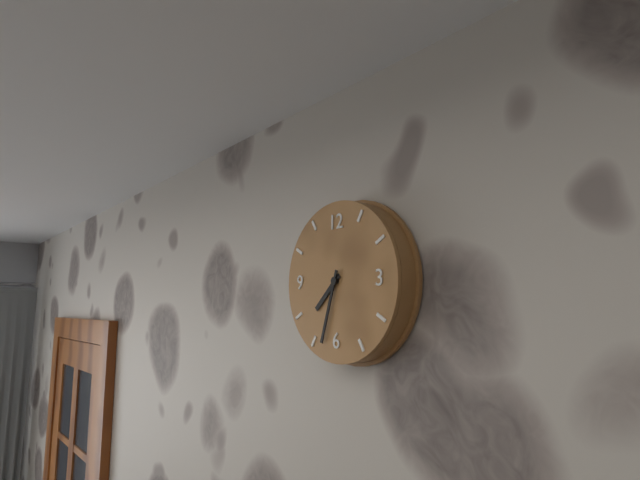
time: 7:33
